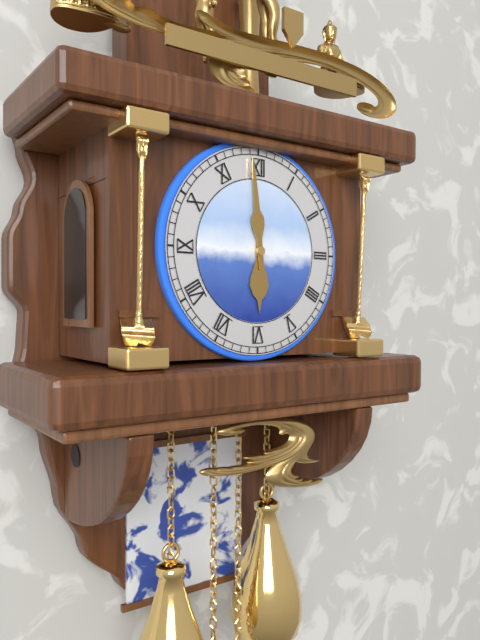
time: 5:59
